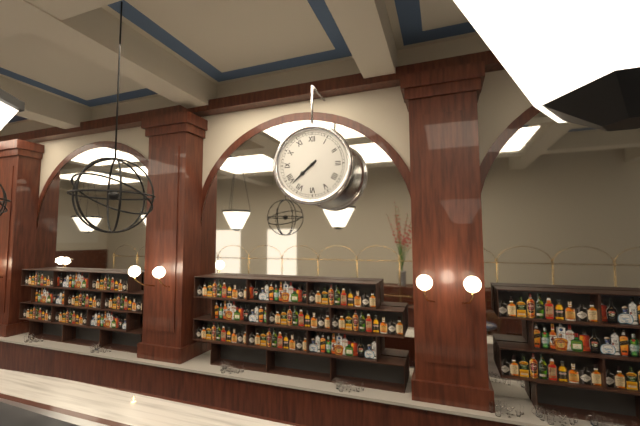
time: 7:38
